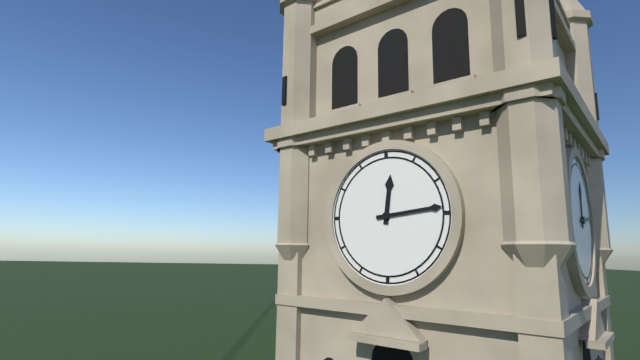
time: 12:14
